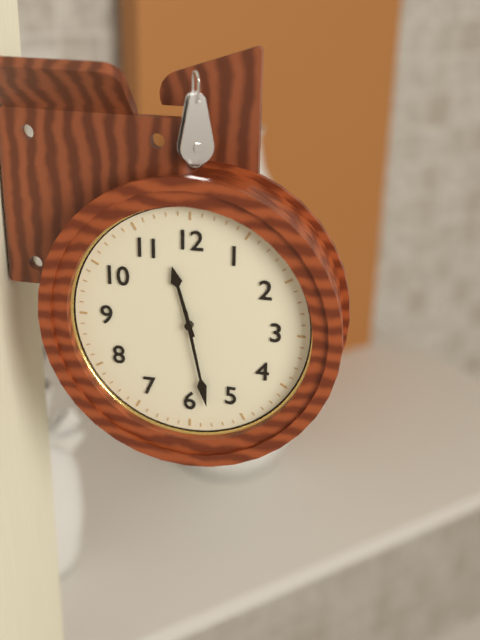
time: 11:28
